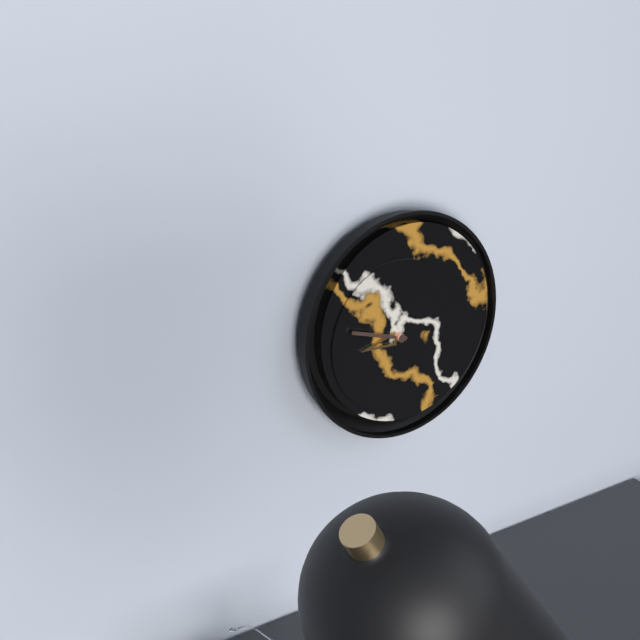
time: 8:48
